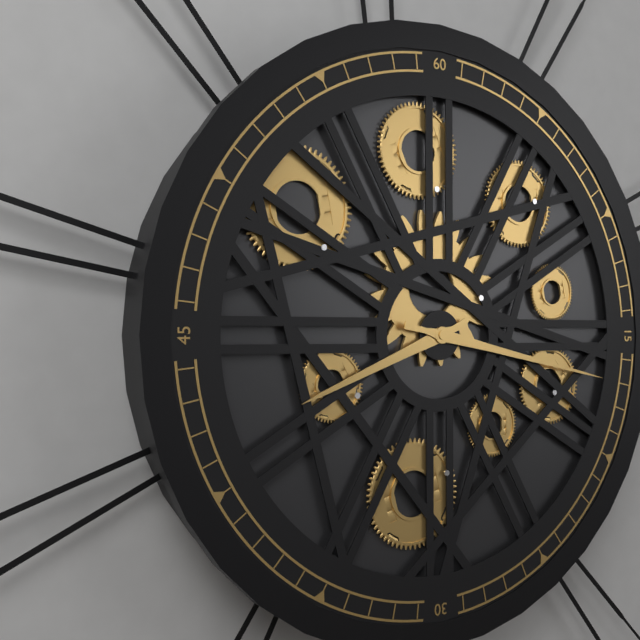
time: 8:17
